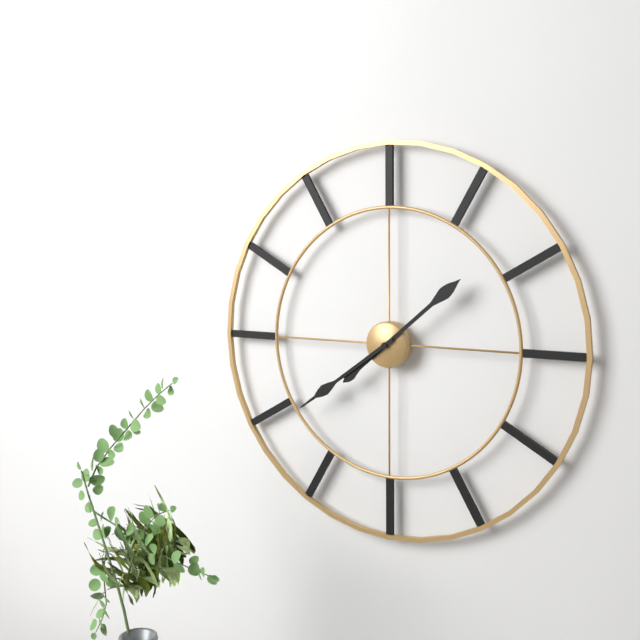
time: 1:39
